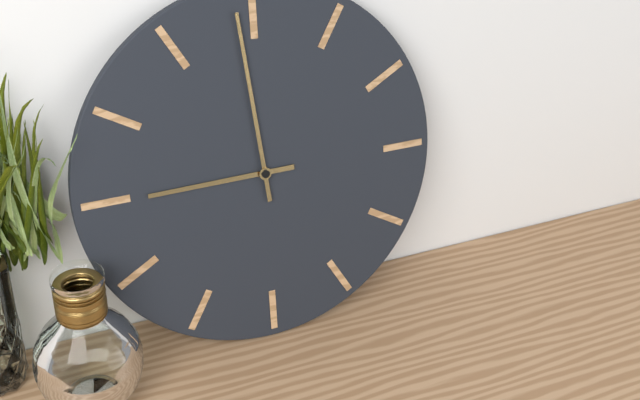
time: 8:59
